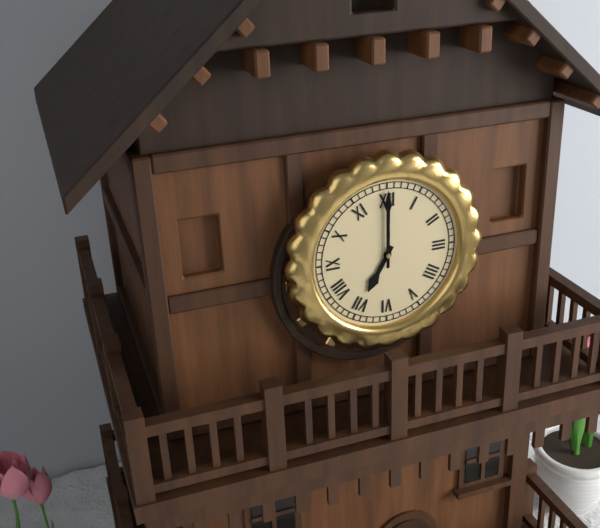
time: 7:00
